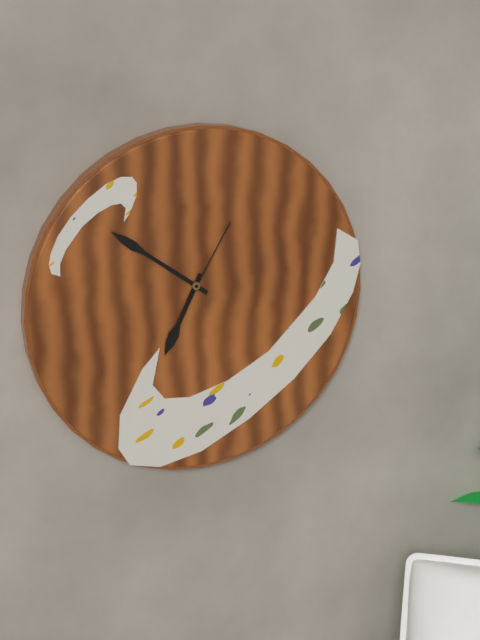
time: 6:51:05
